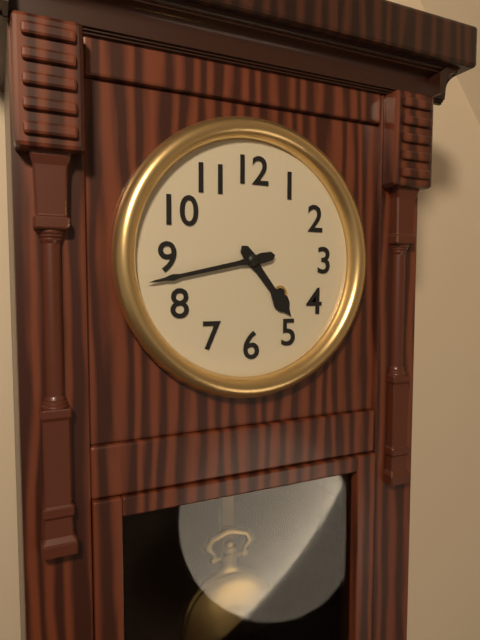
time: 4:43
